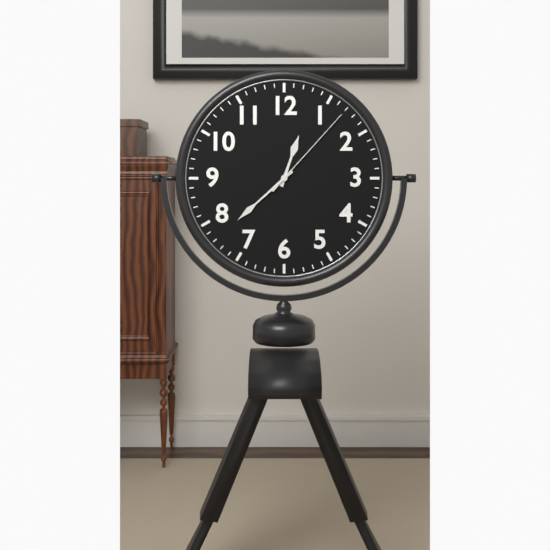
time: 12:38:07
